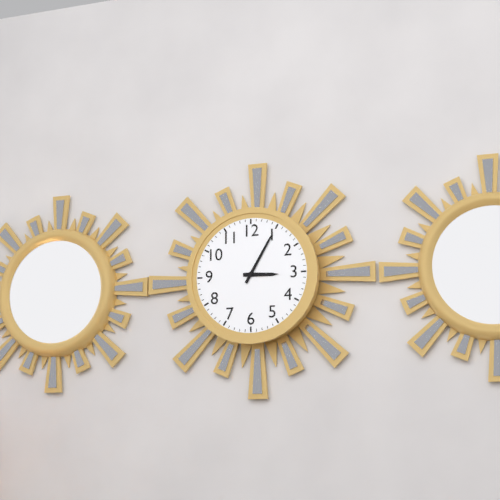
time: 3:05
